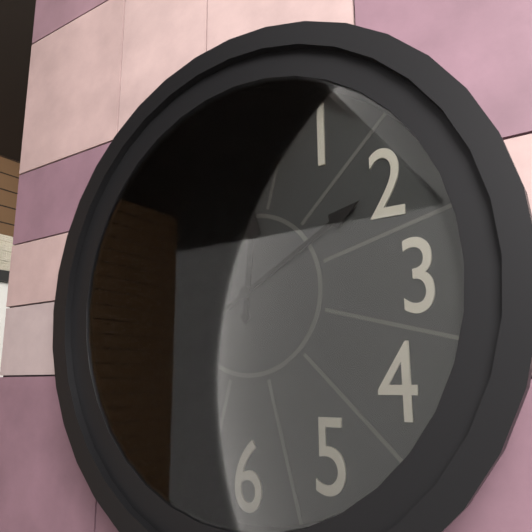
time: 12:10
